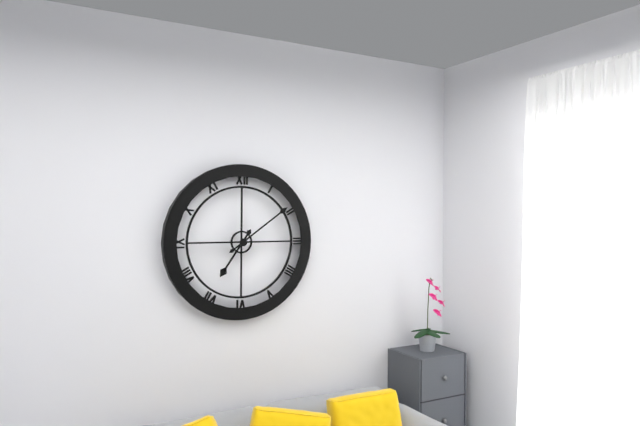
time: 7:09
